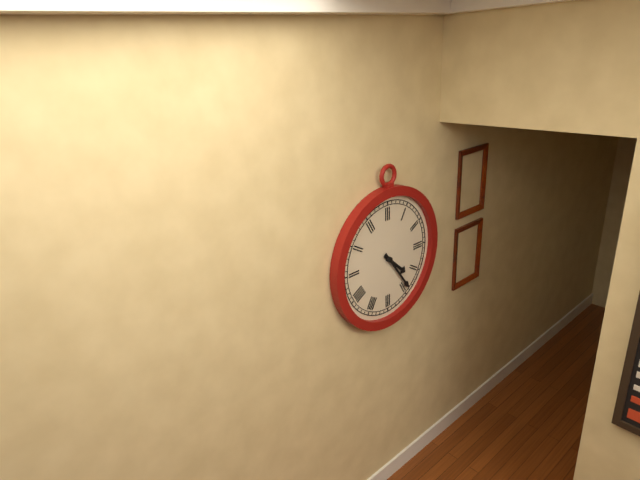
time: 4:24
